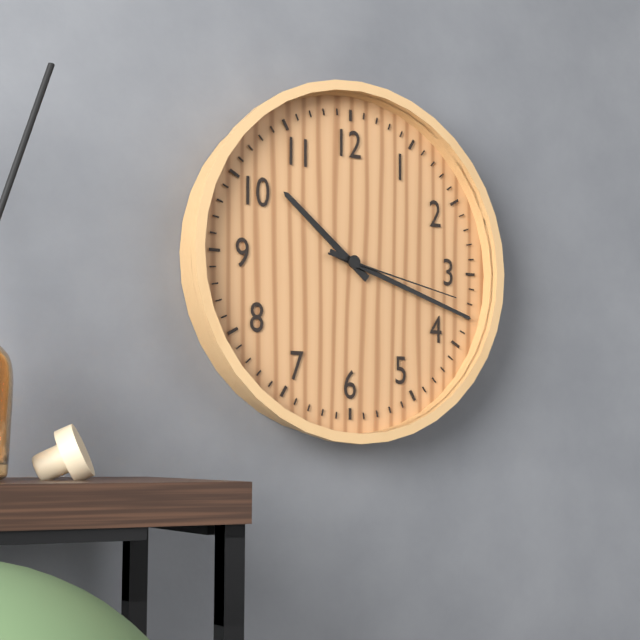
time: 10:18:17
